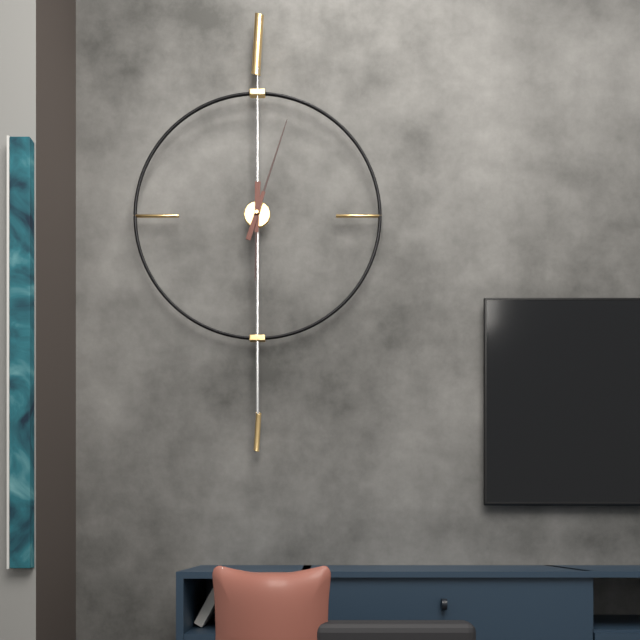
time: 6:03
